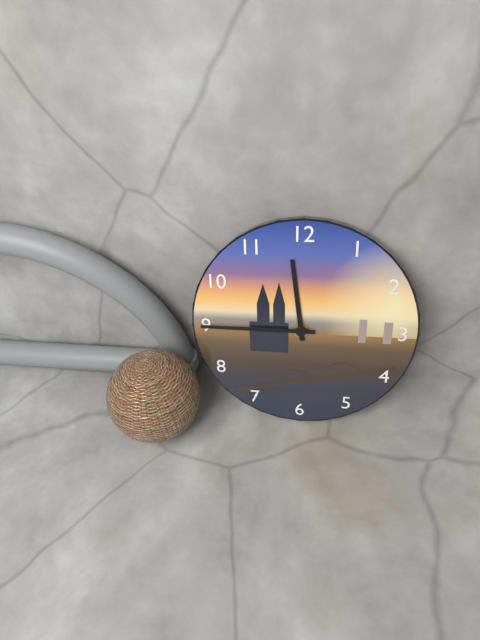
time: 11:45
